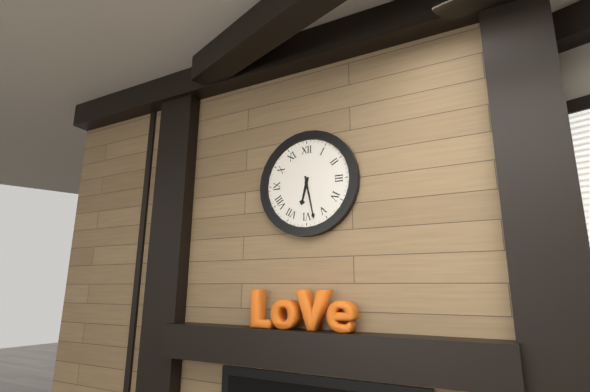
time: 6:28
